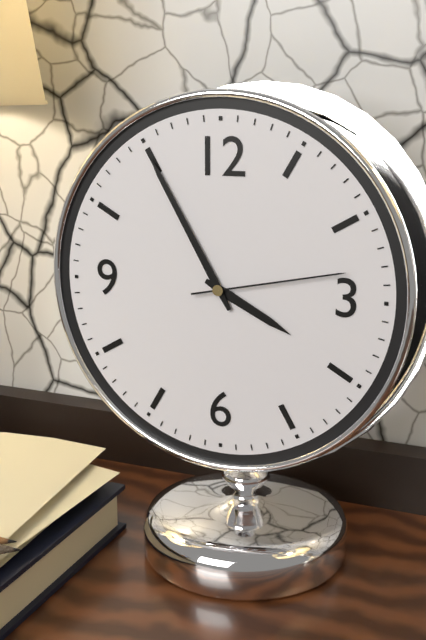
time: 3:55:13
